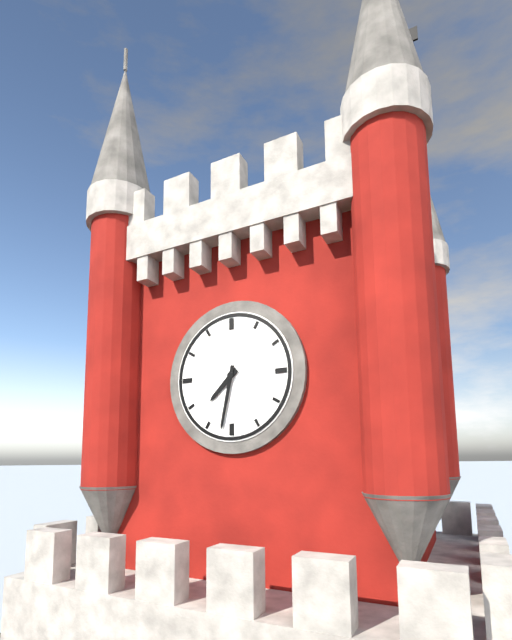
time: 7:32
